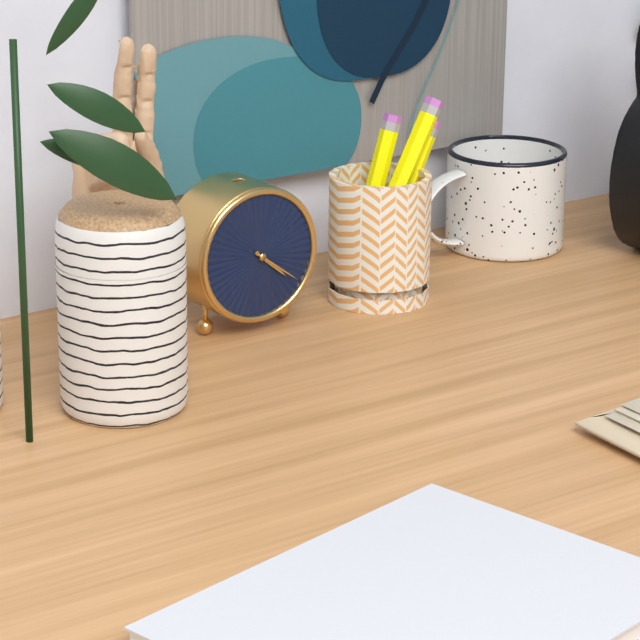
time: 4:21
